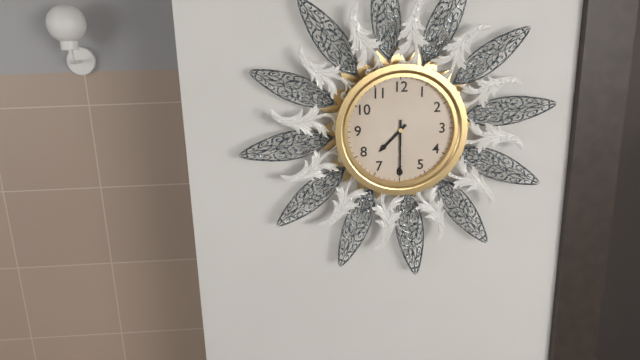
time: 7:30
